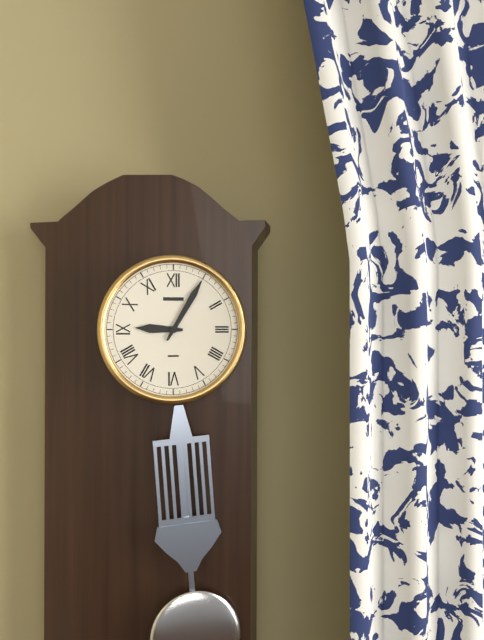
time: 9:05
